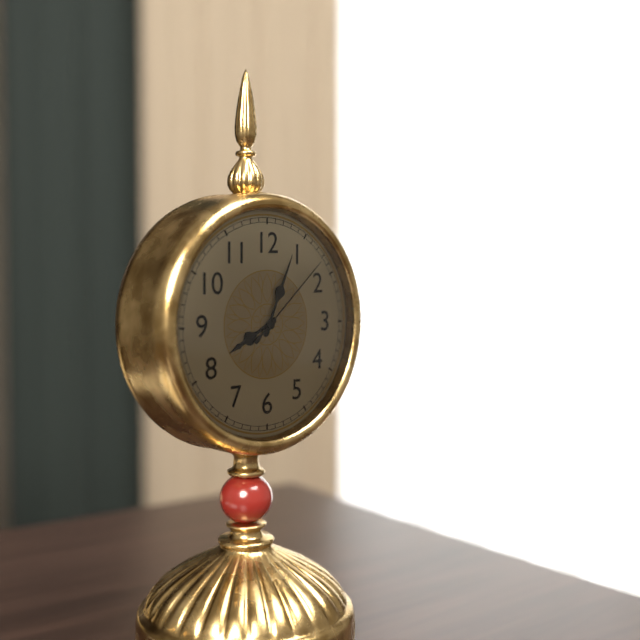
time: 8:04:08
